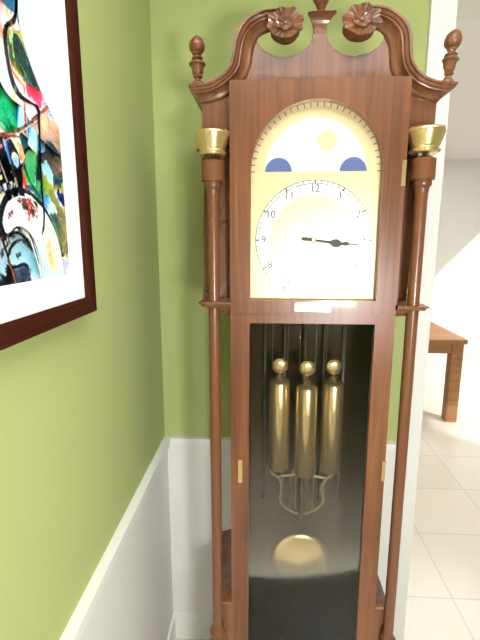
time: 3:16
